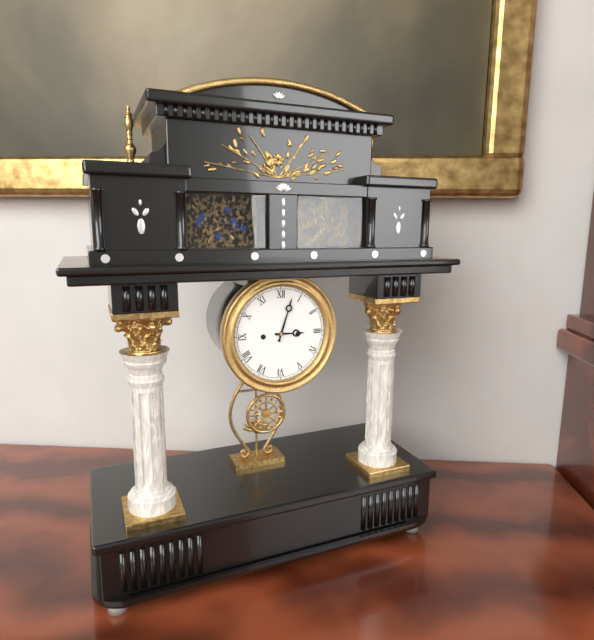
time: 3:03
